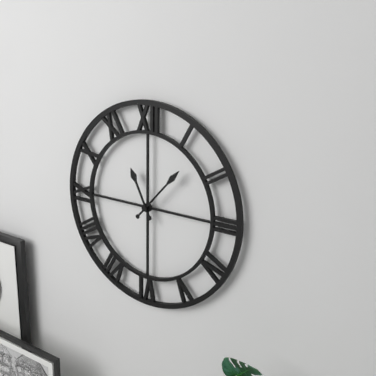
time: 11:07
